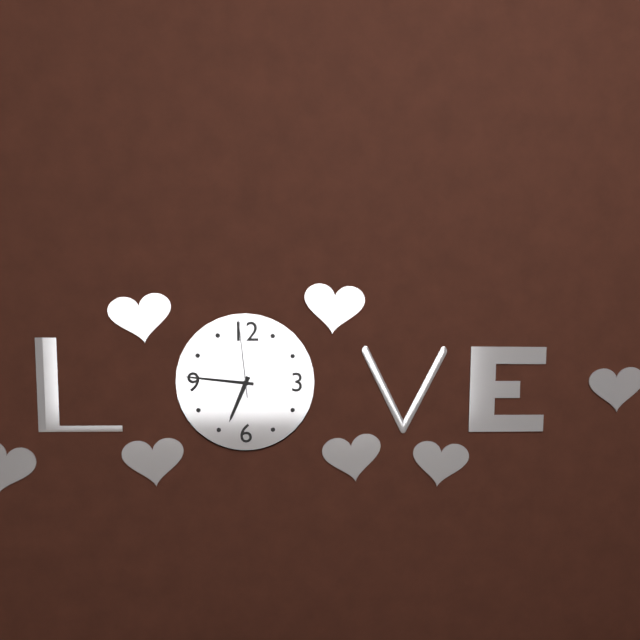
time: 6:46:59
